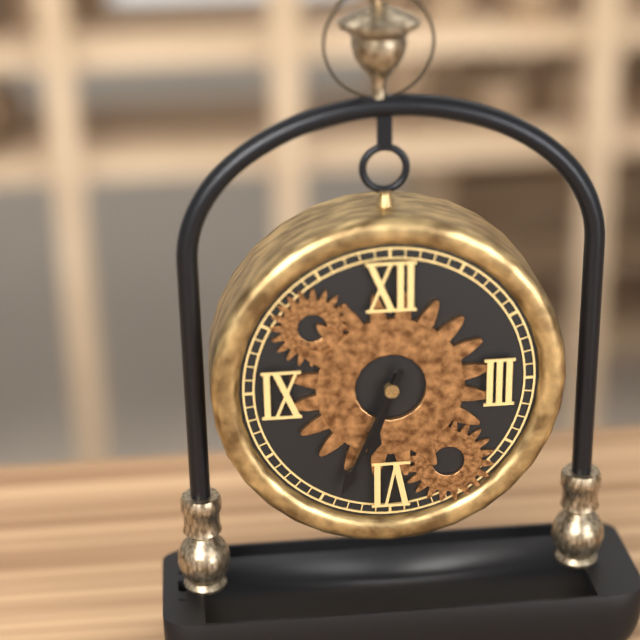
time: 6:34
